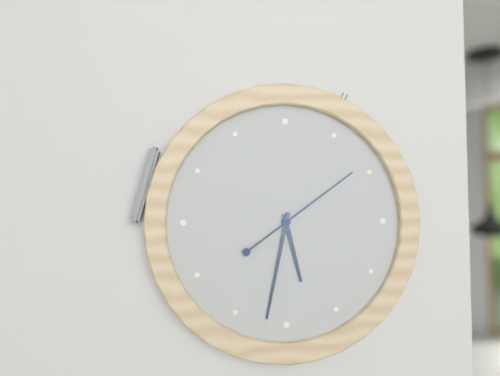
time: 5:32:09
